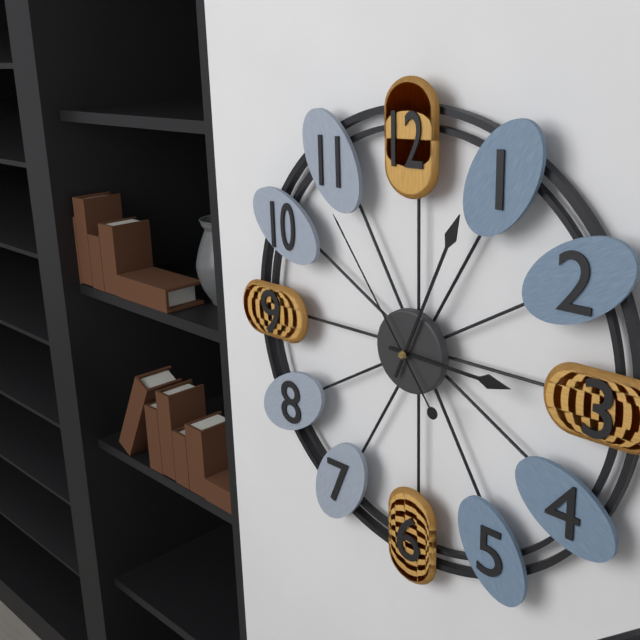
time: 3:04:54
